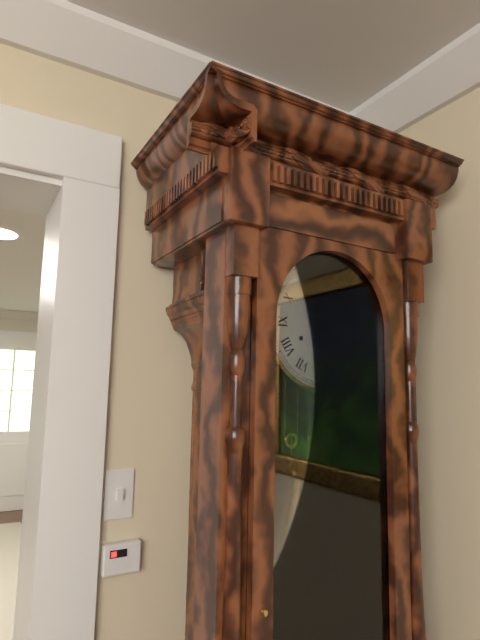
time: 2:27
